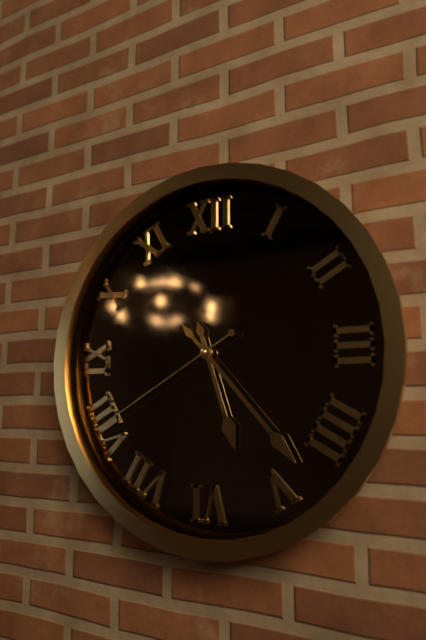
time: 5:23:40
